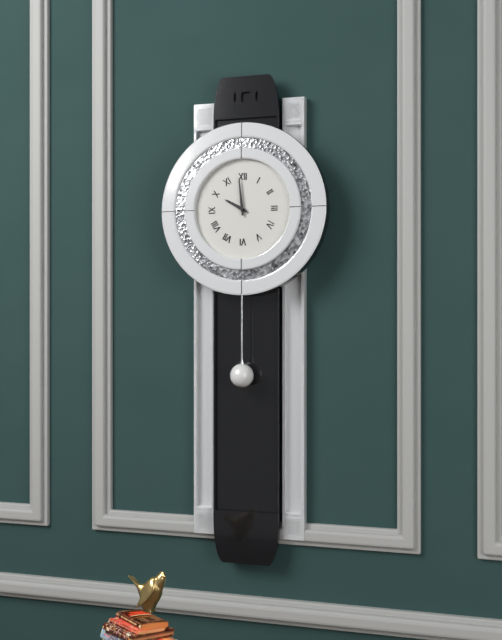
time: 9:59
